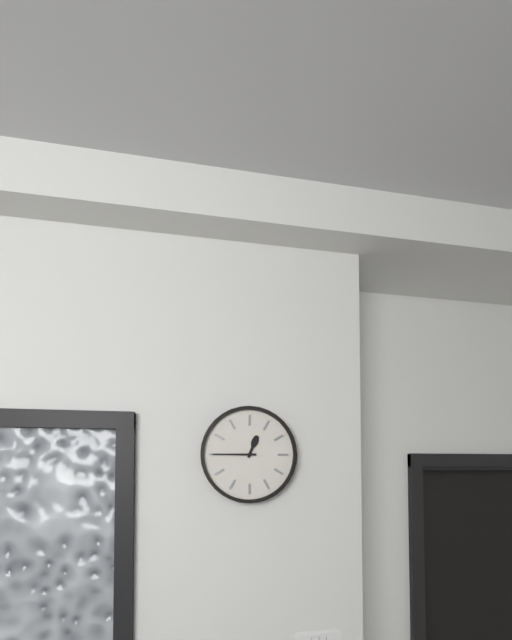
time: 12:45
